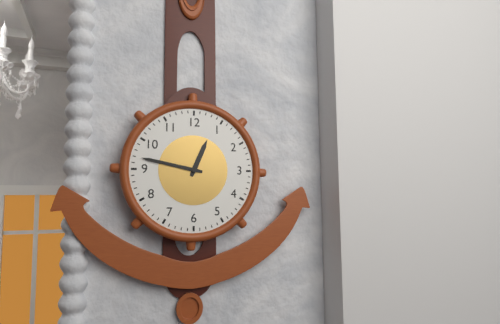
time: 12:47
